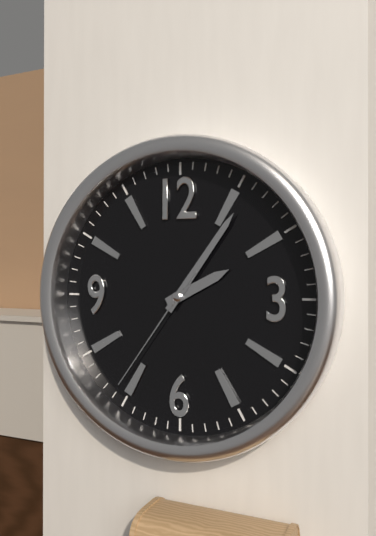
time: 2:06:36
